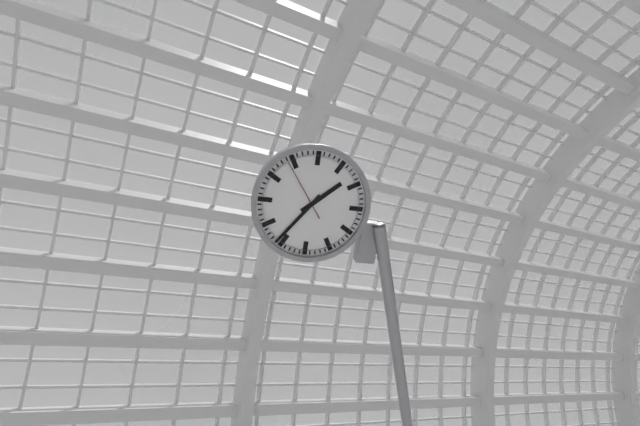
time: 1:36:54
